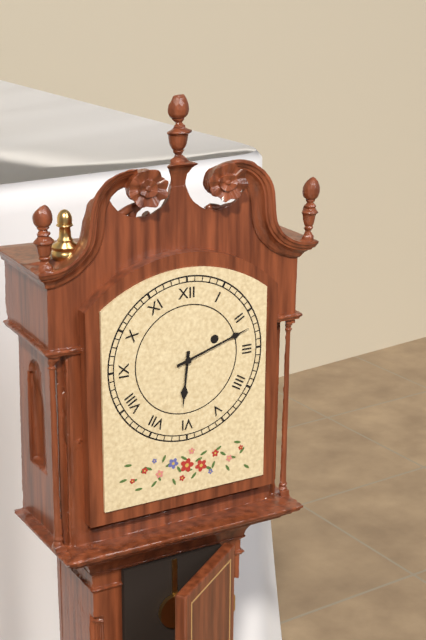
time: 6:12
